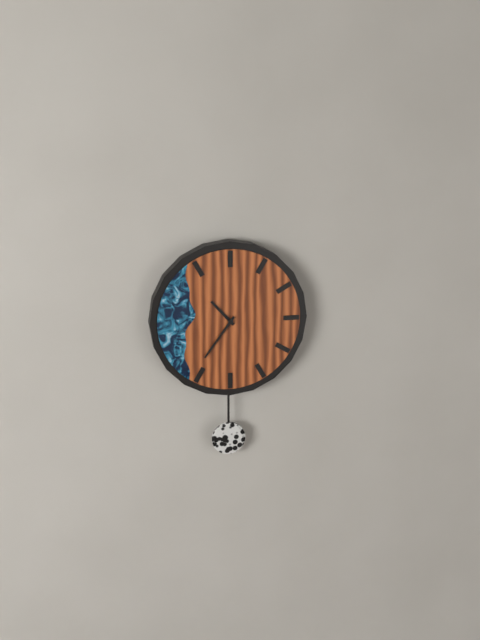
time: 10:36
